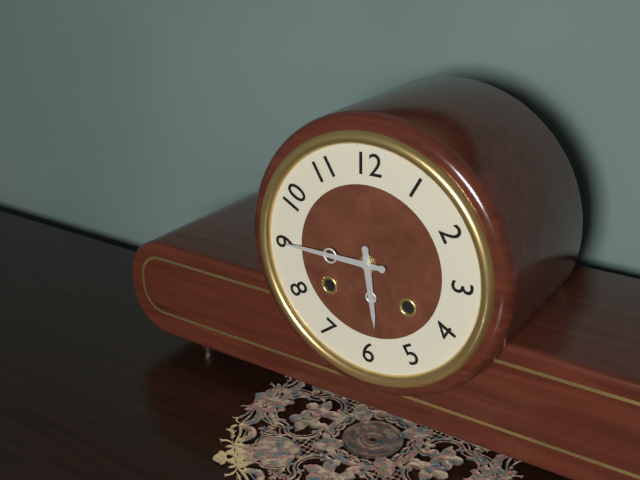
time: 5:45
